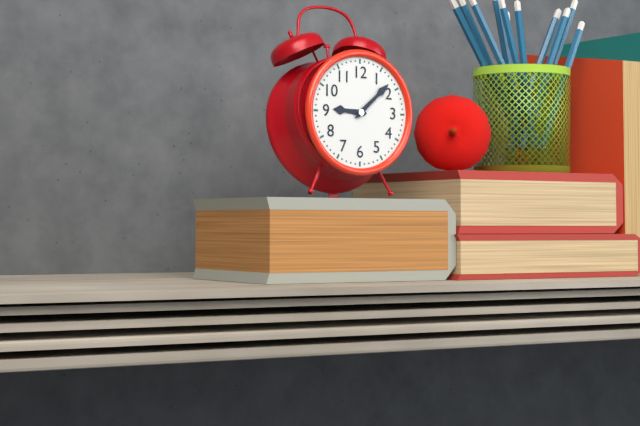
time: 9:08
